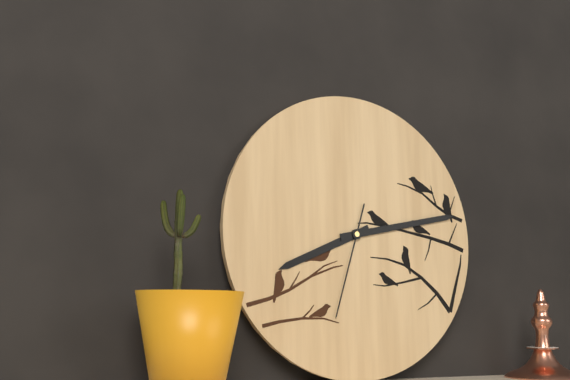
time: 8:13:33
